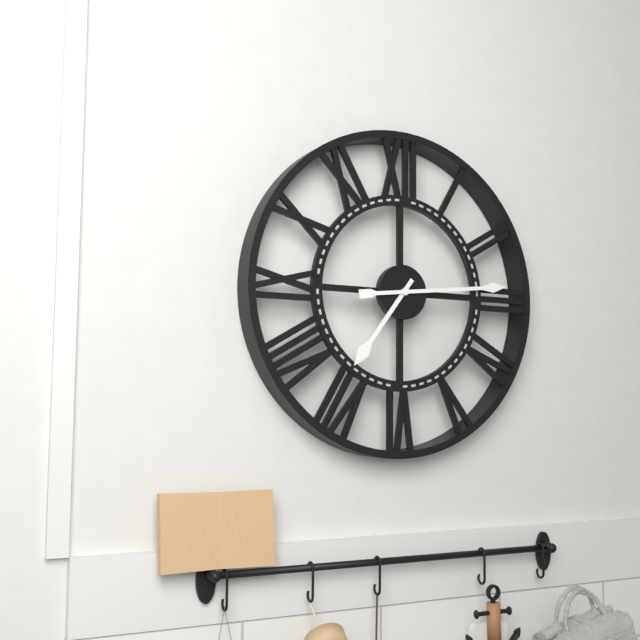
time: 7:14
